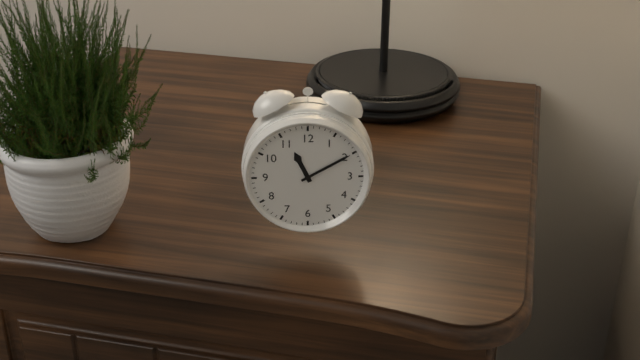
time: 11:10
